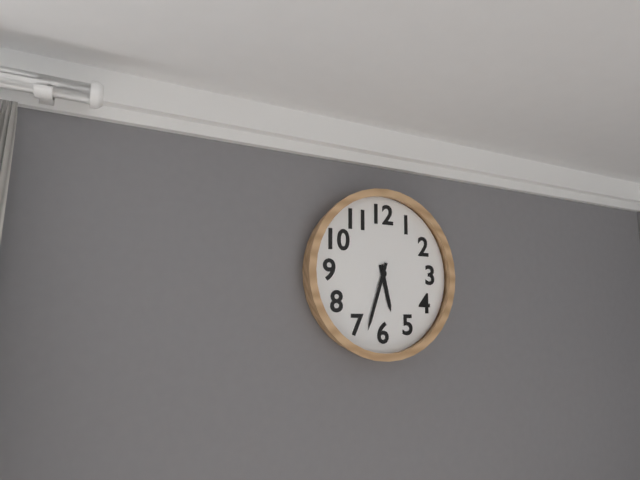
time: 5:33
